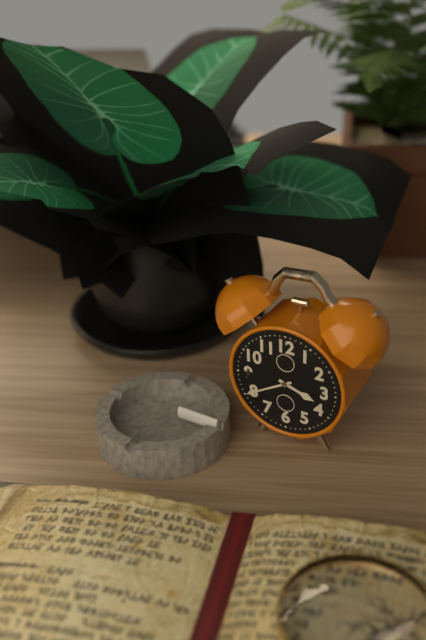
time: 3:40
